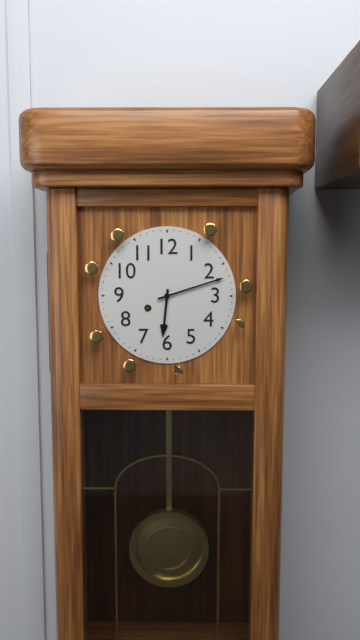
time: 6:12
